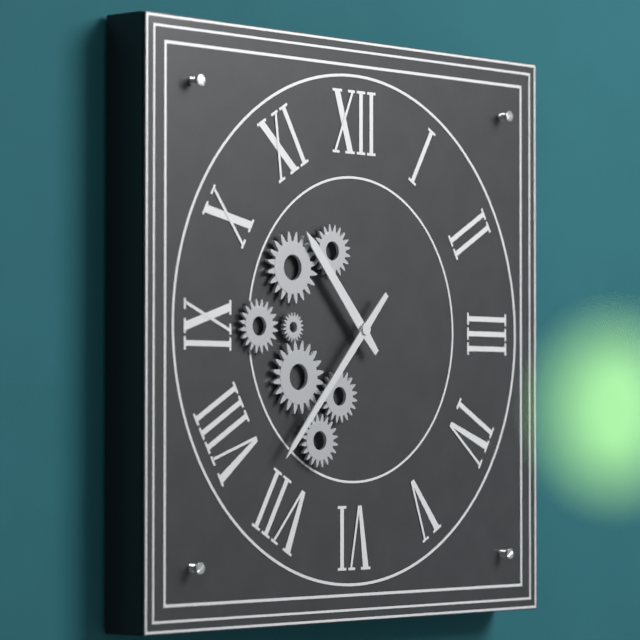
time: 10:37
